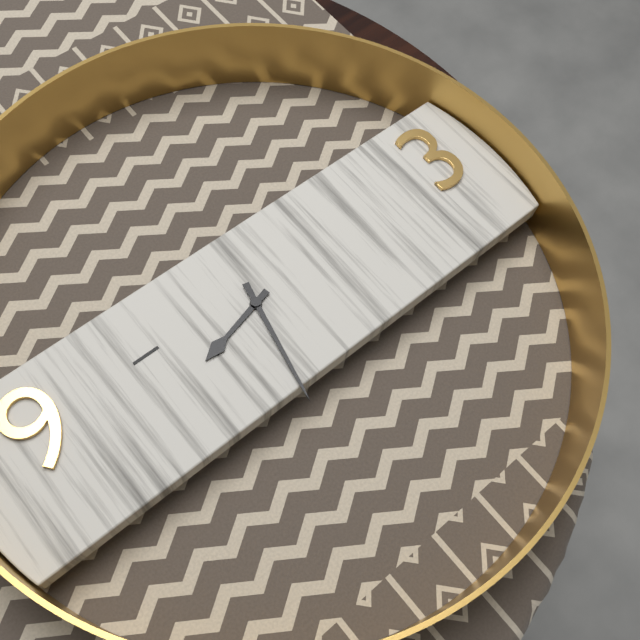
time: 8:32
